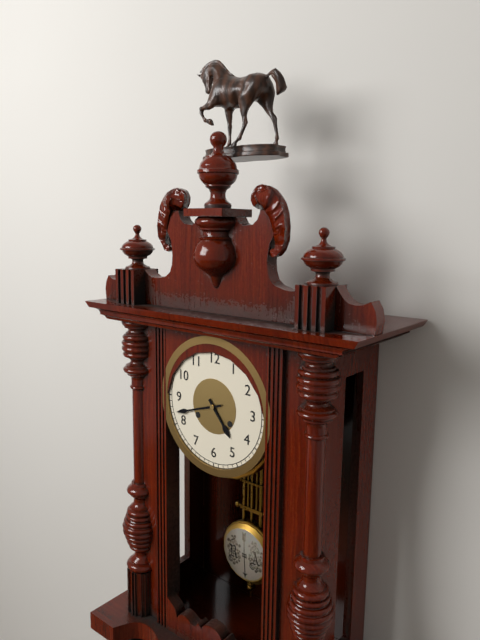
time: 4:42
